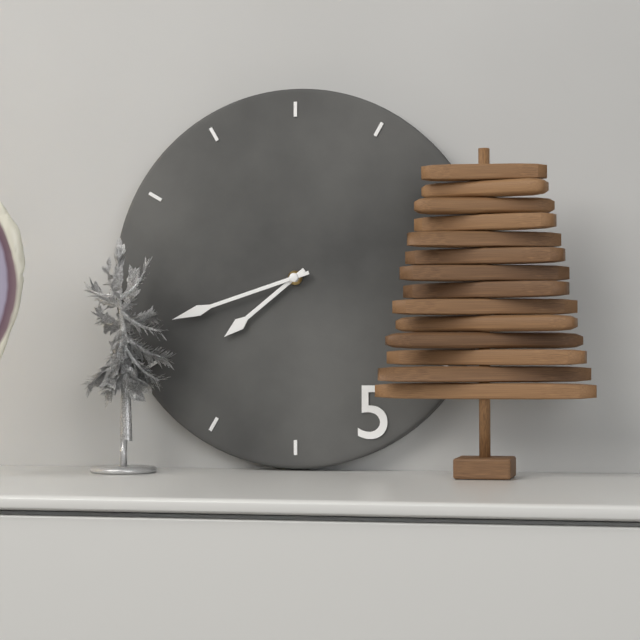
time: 7:42
